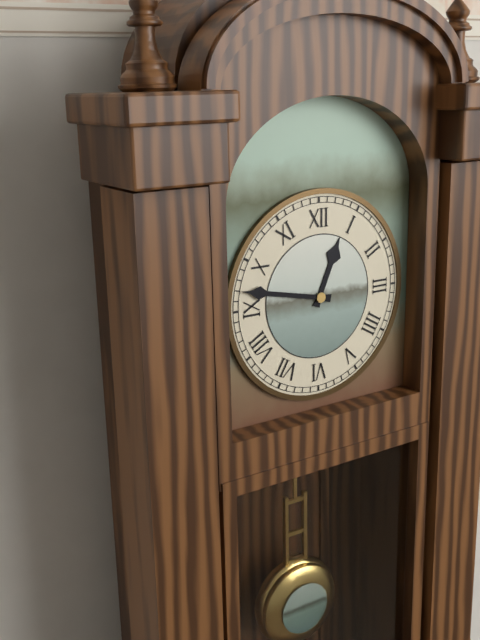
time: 12:47
